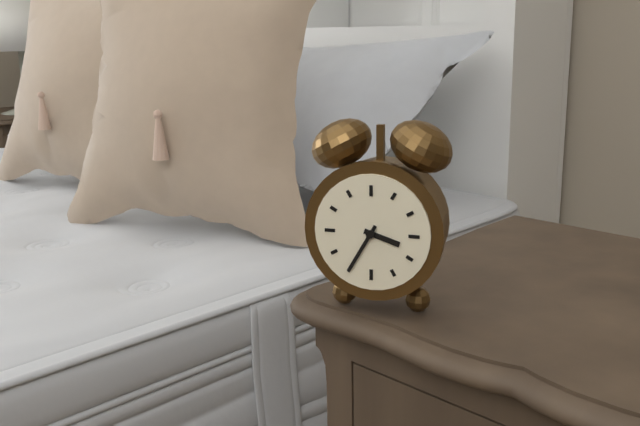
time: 3:35
